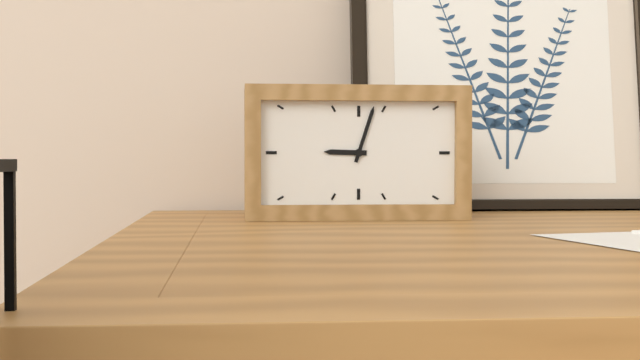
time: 9:03
